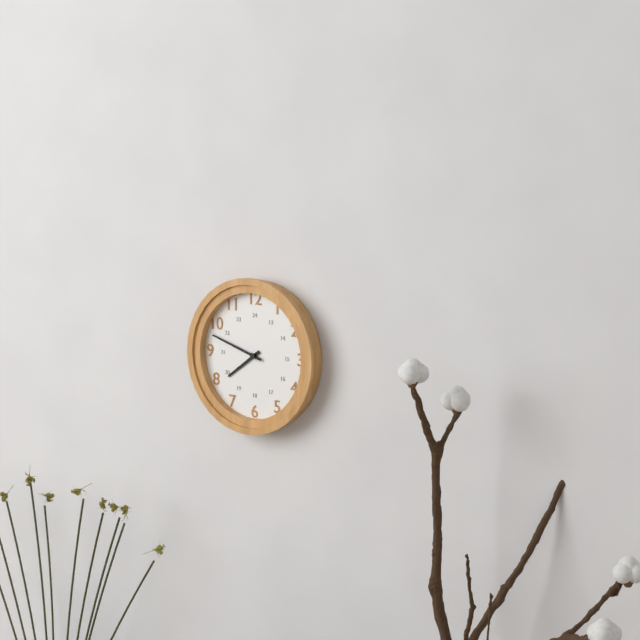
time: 7:48
